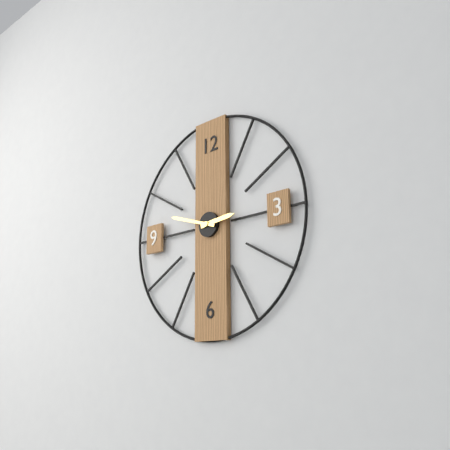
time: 2:48
